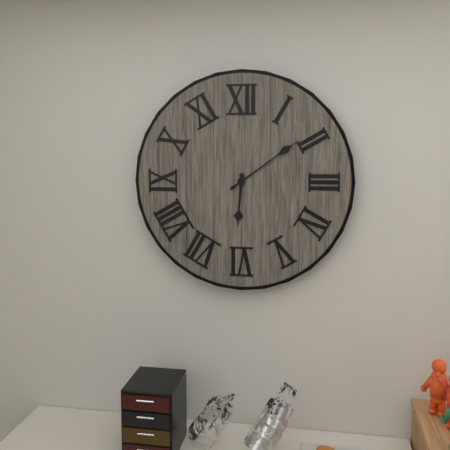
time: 6:09
